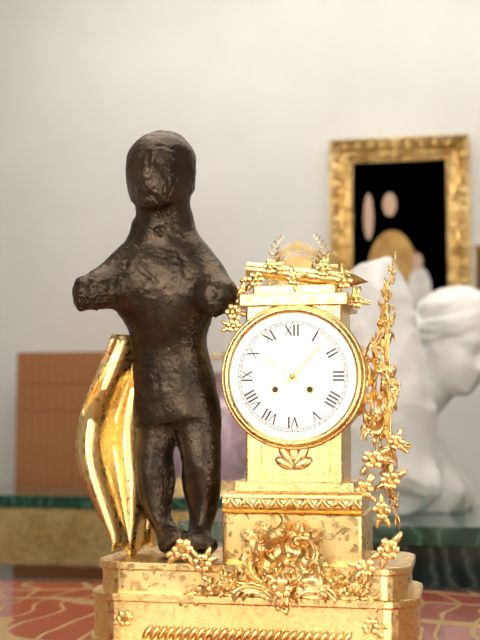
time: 10:07
